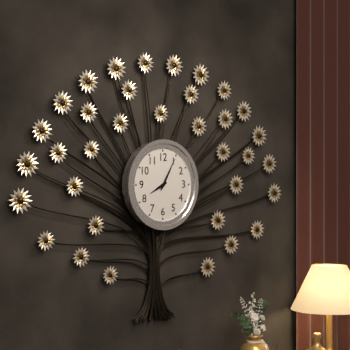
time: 8:05
